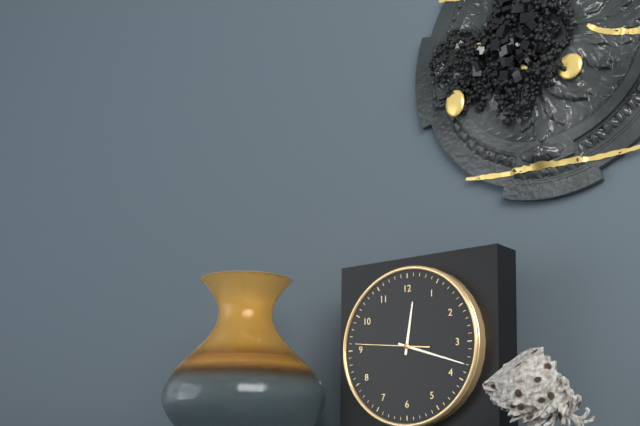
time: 12:18:46
